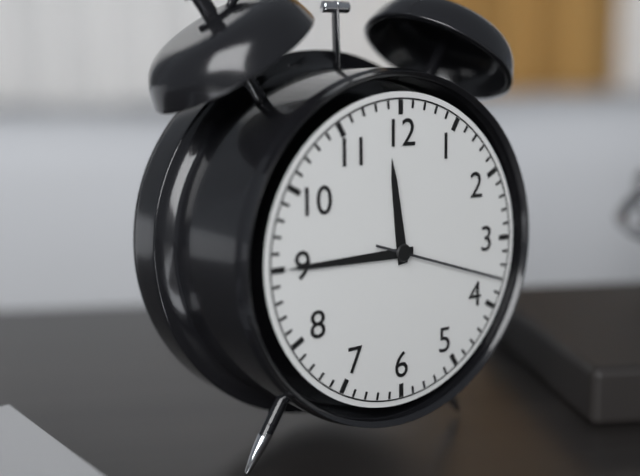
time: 11:45:18
